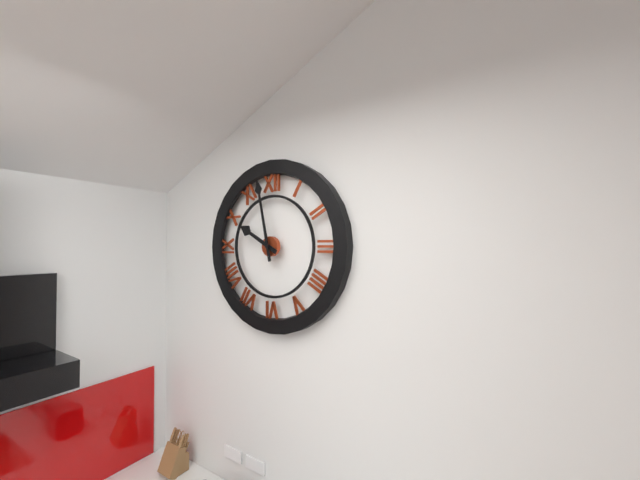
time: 9:58
